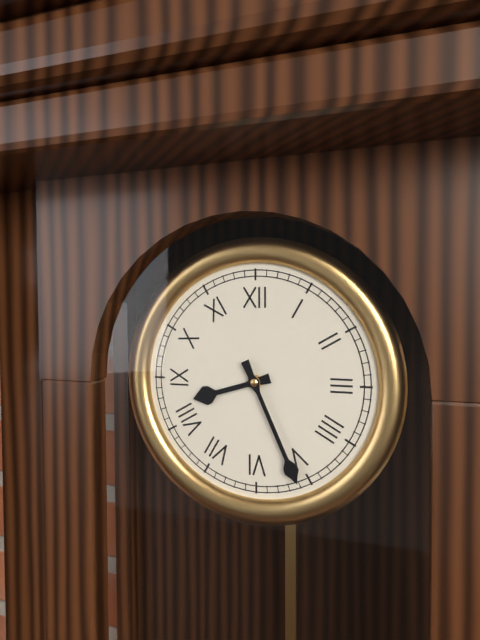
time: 8:26
